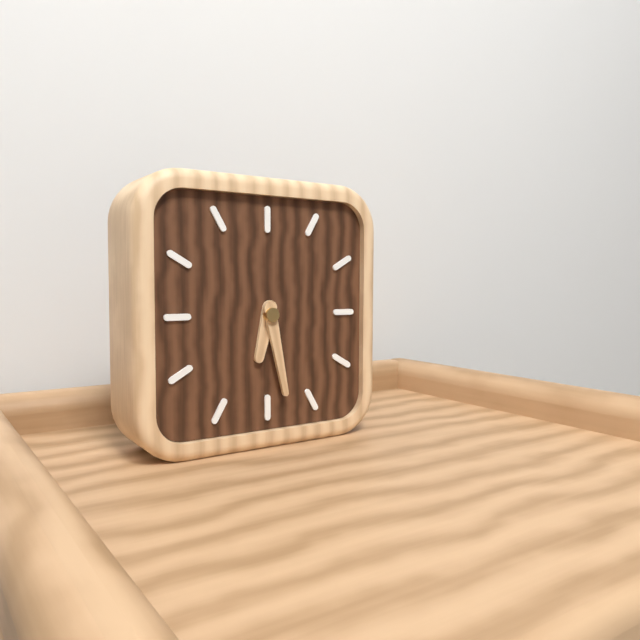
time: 6:28
